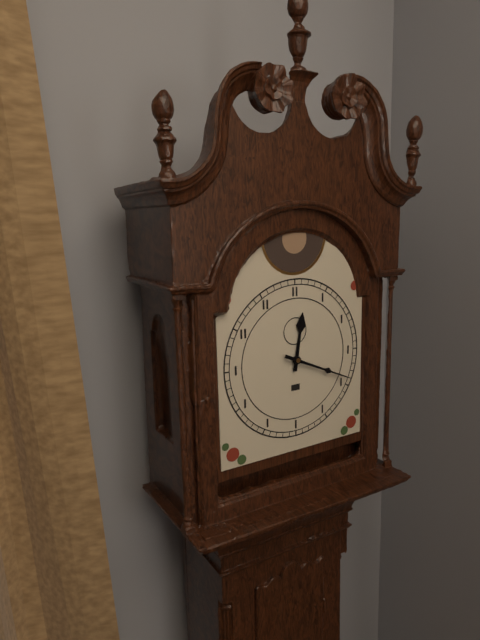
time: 12:19
